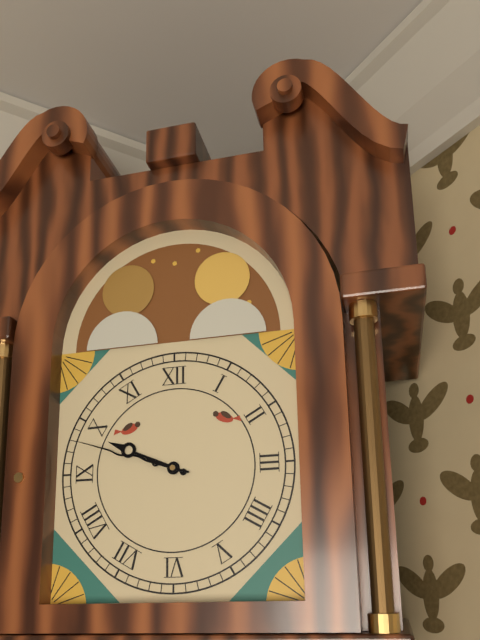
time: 9:48
